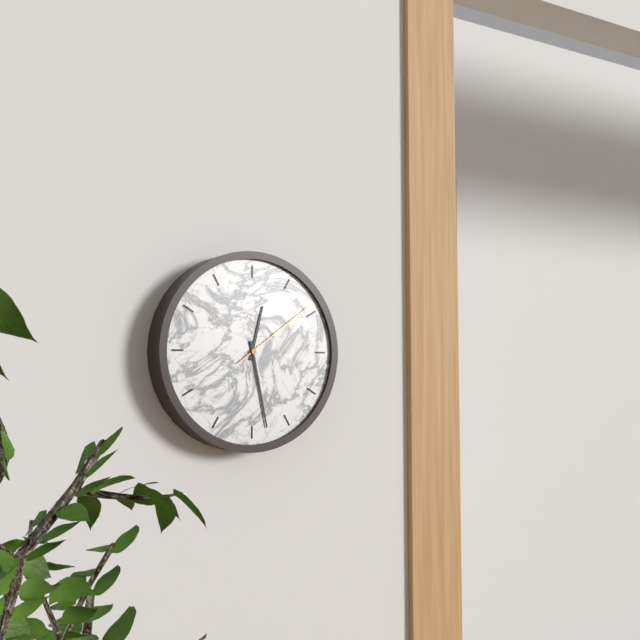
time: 12:28:09
